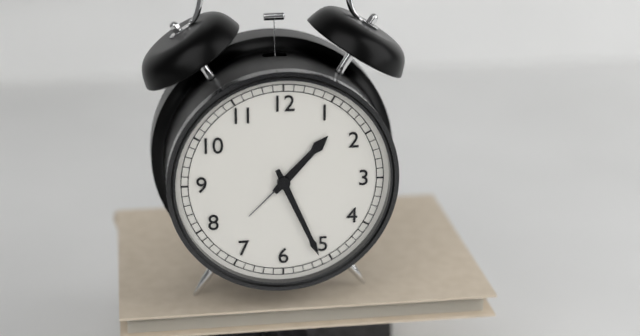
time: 1:26
